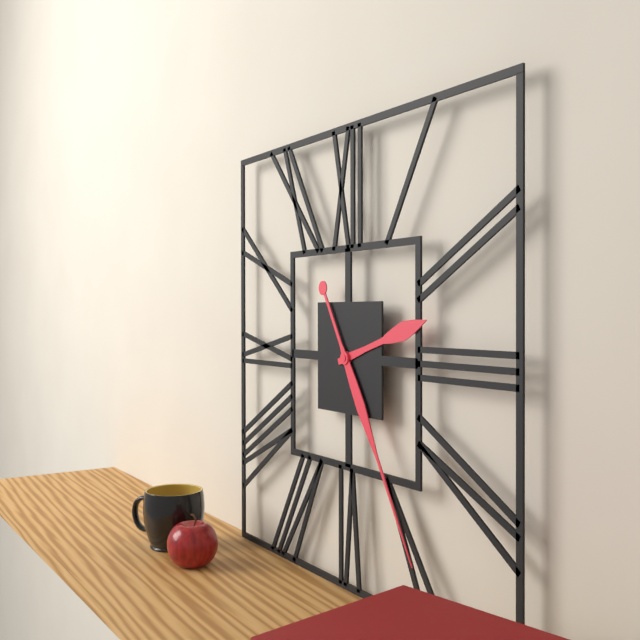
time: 2:25
